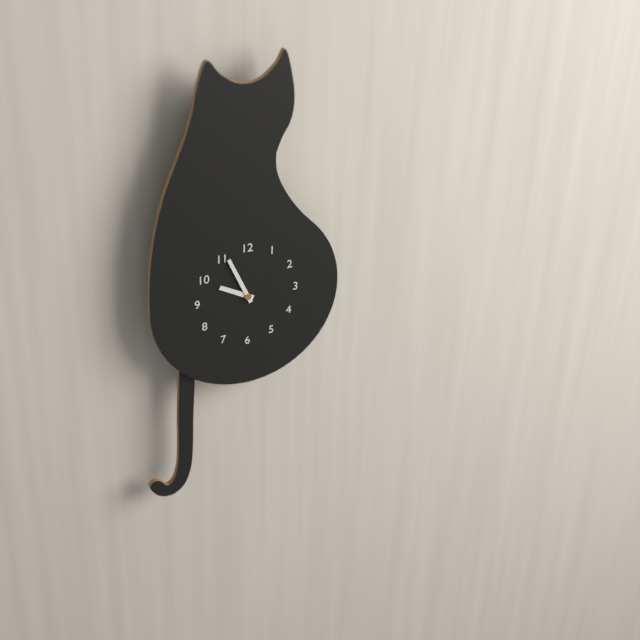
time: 9:56
